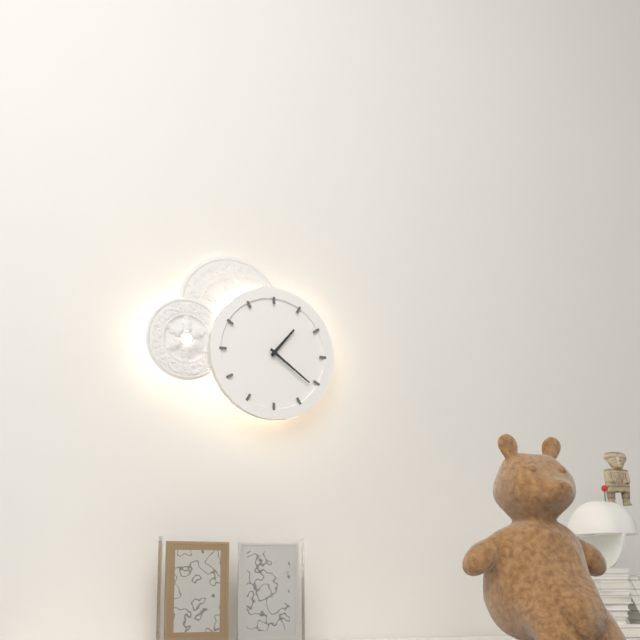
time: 1:21
